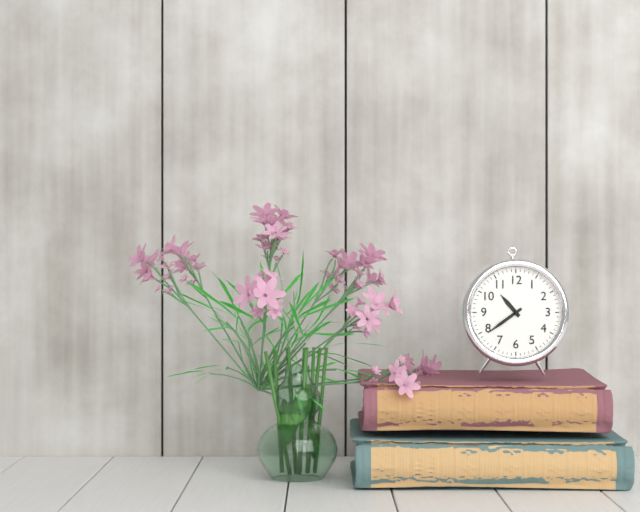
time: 10:39
